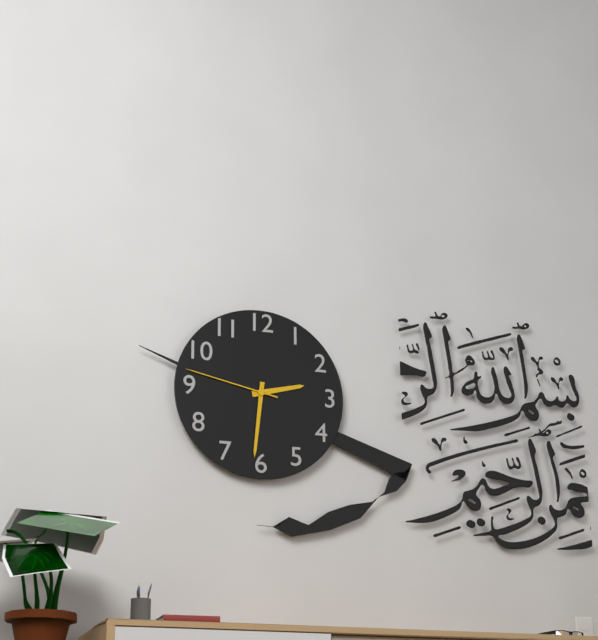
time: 2:31:47
